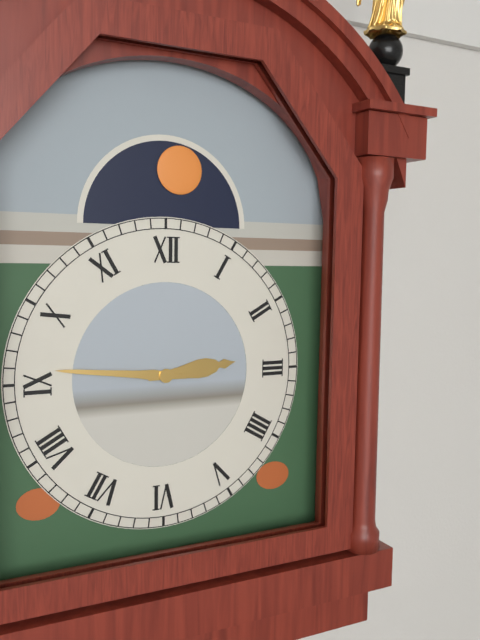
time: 2:46
